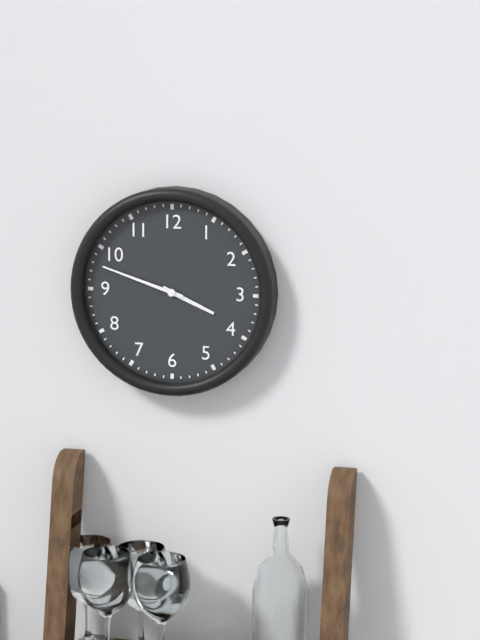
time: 3:48
